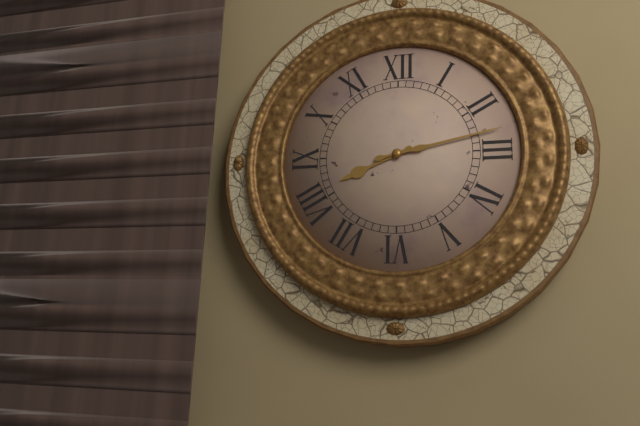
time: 8:13
